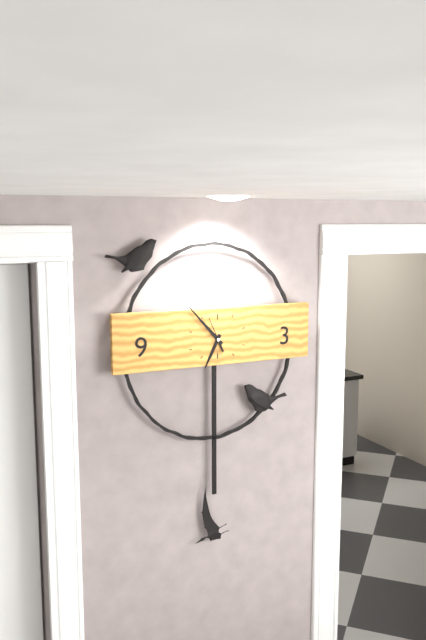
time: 6:53
